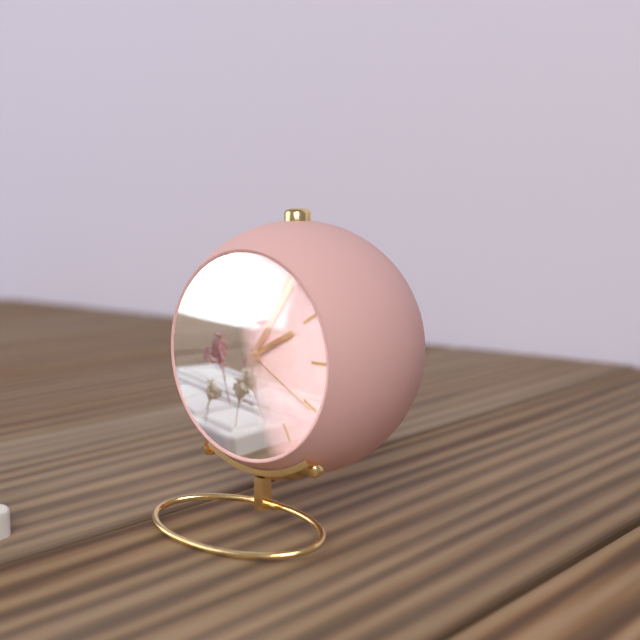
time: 2:06:20
